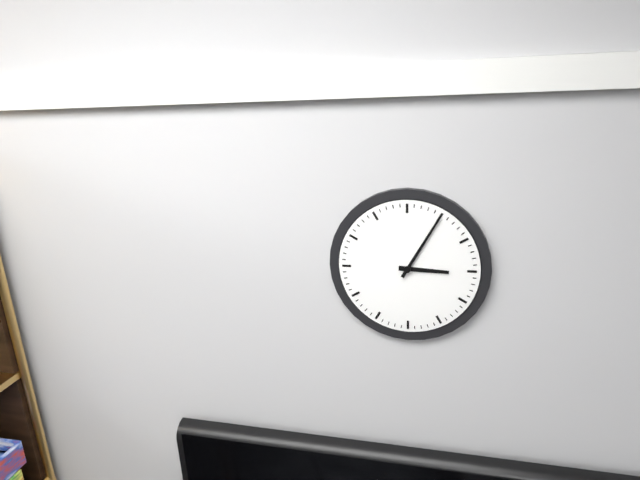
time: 3:05
